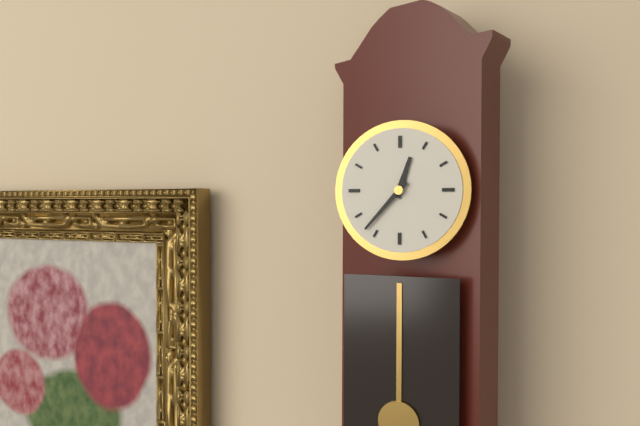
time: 12:37
